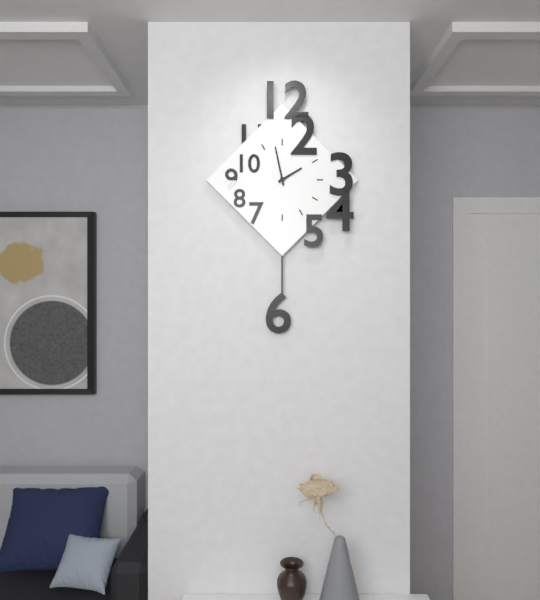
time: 1:58
